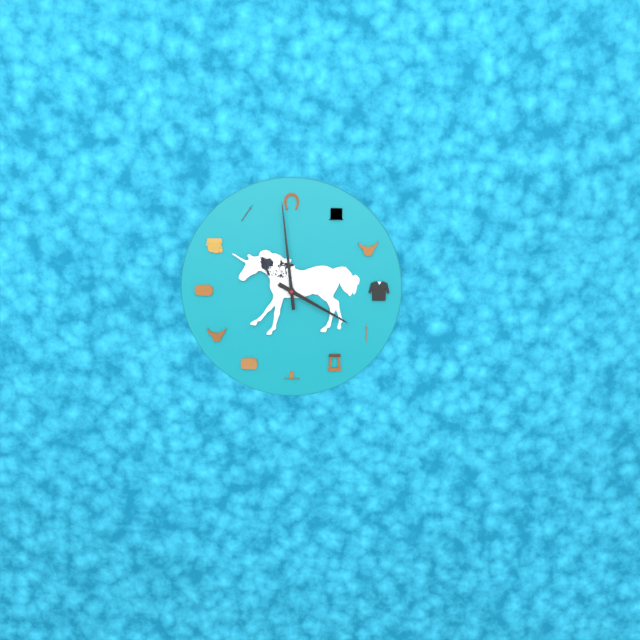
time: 3:59
